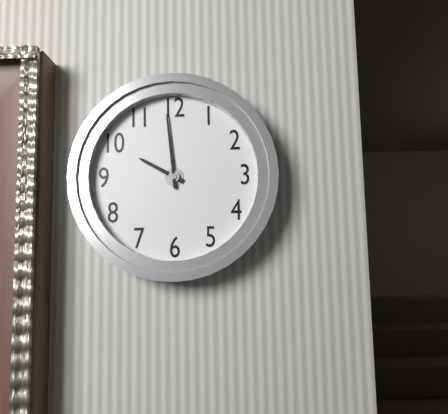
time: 9:59
